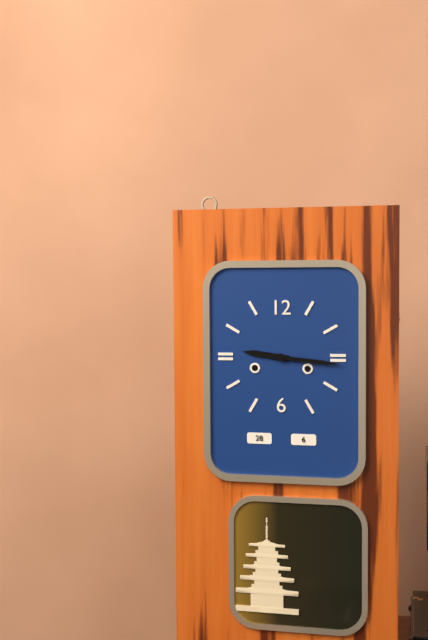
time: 9:16
